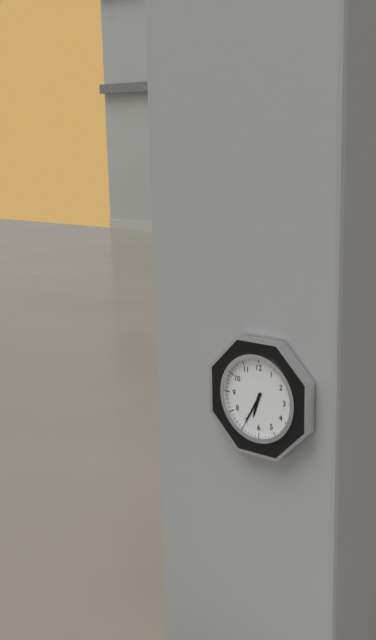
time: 6:35
